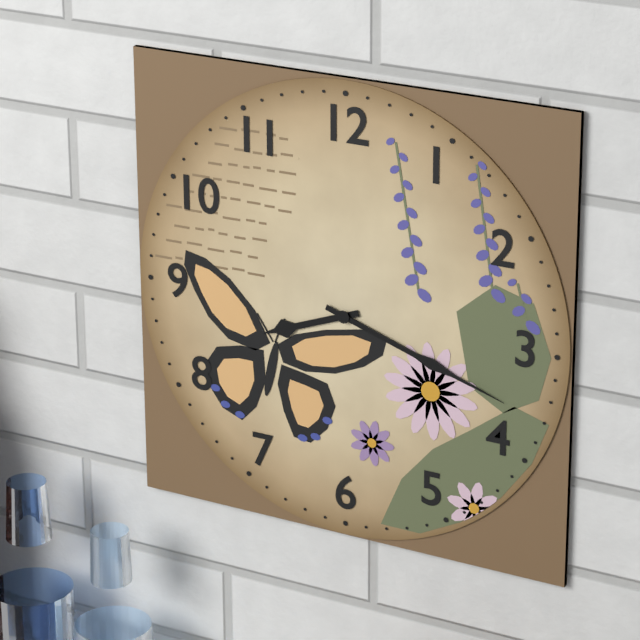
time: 8:18
